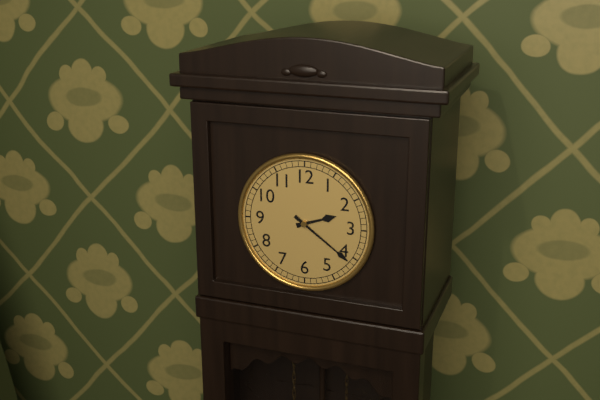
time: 2:21
